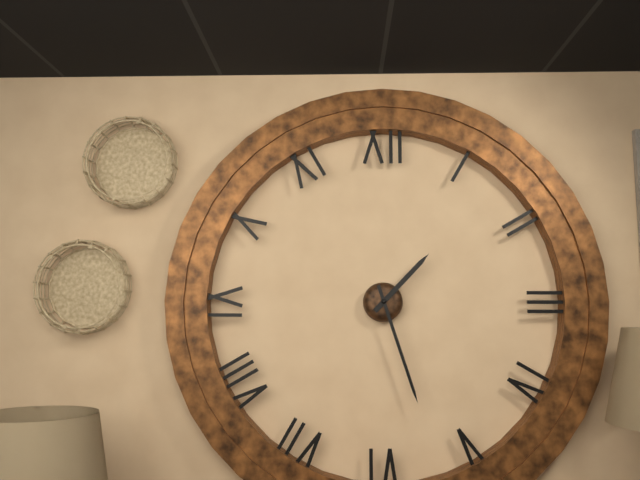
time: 1:27
